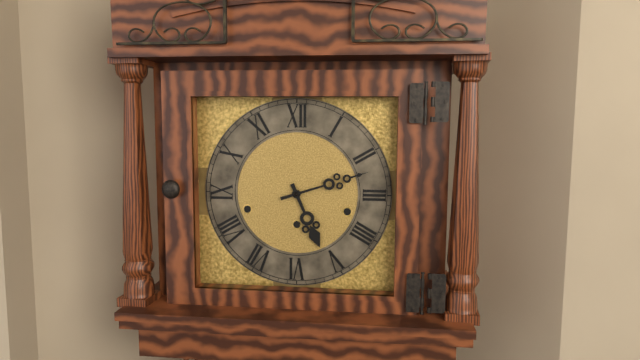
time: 5:12
